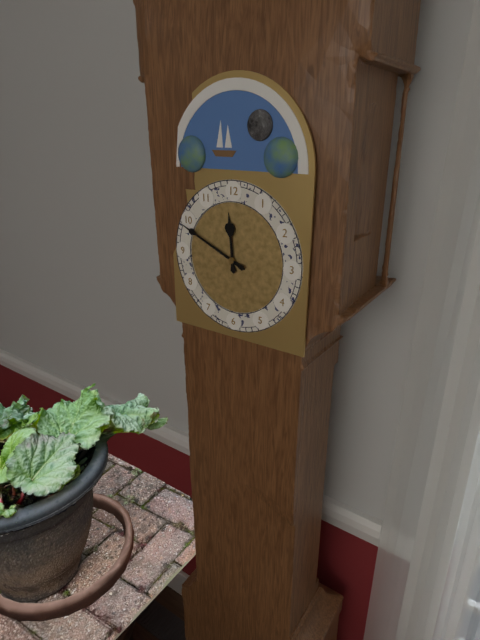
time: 11:49
